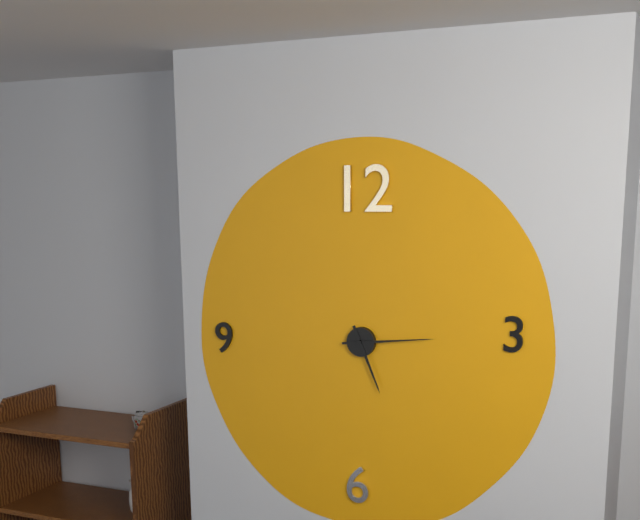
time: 5:14
